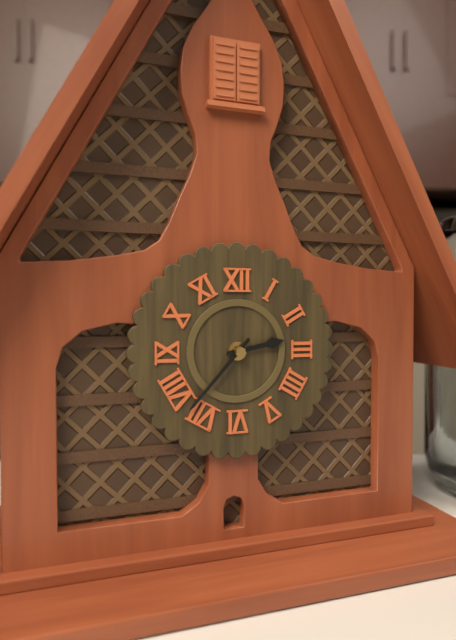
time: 2:37
